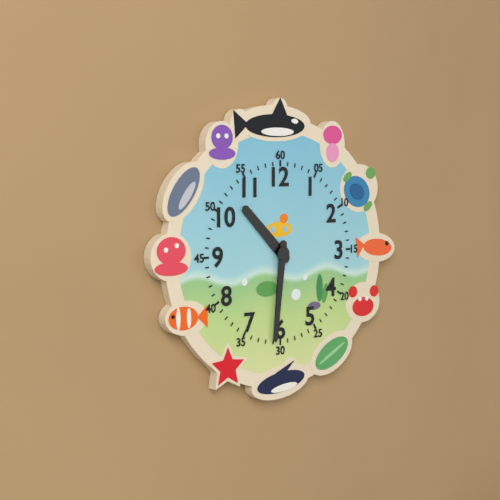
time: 10:31
